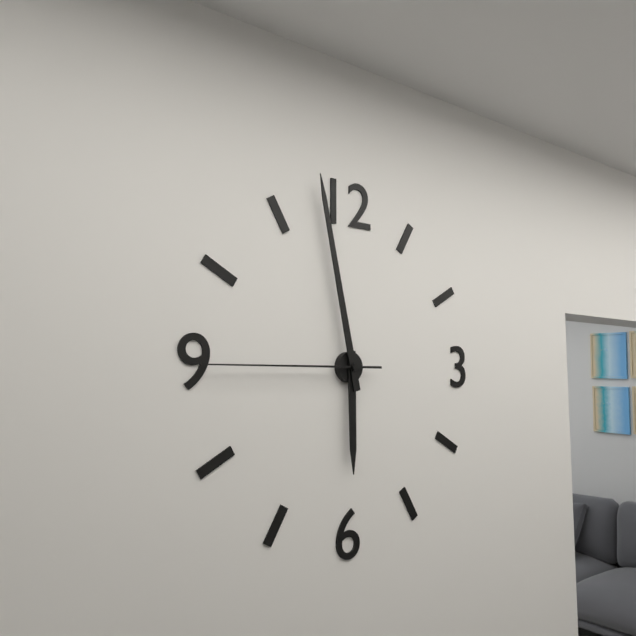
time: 5:58:45
